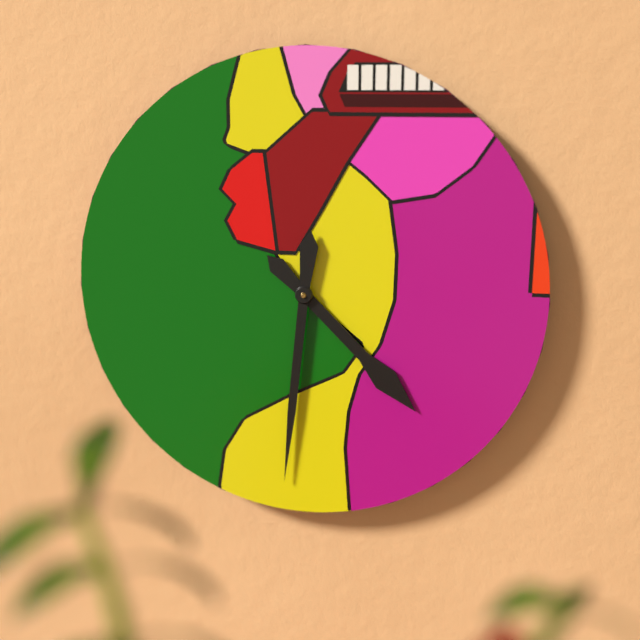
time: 4:31
